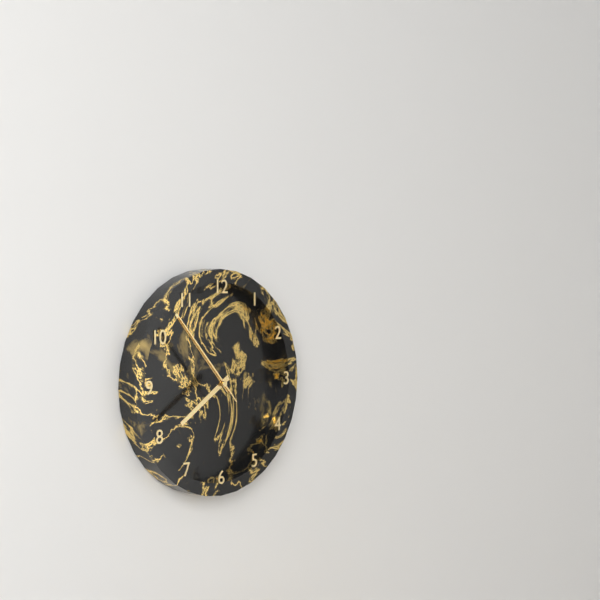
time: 7:53:53
